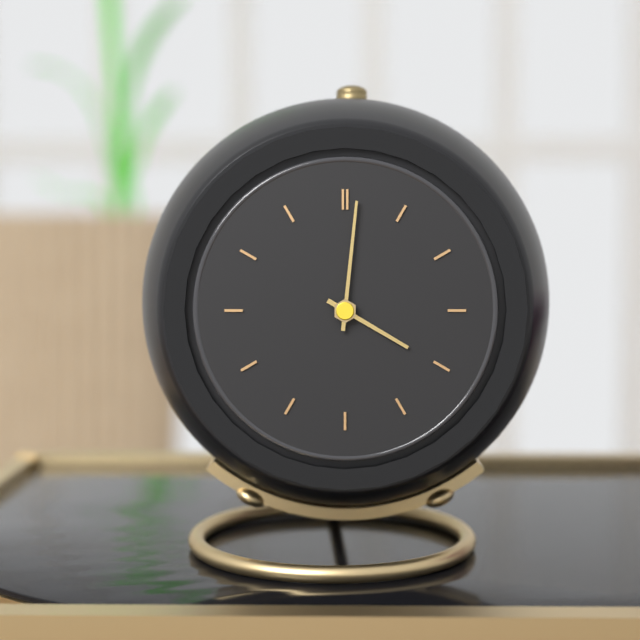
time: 4:01
